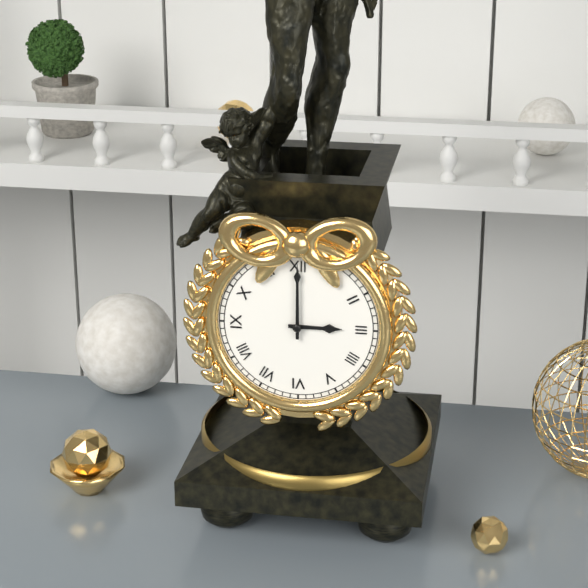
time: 3:00
